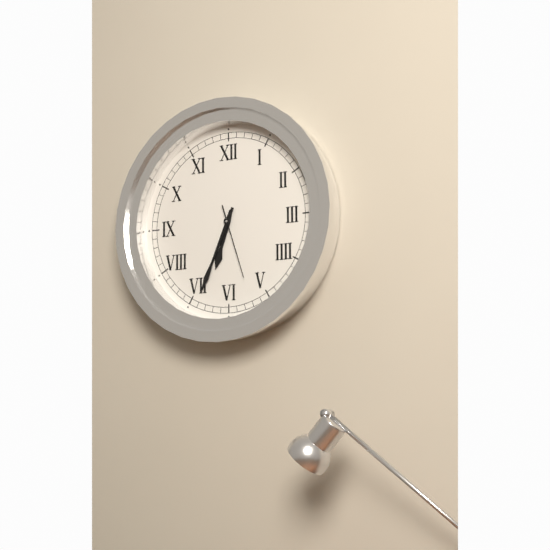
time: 6:34:27
